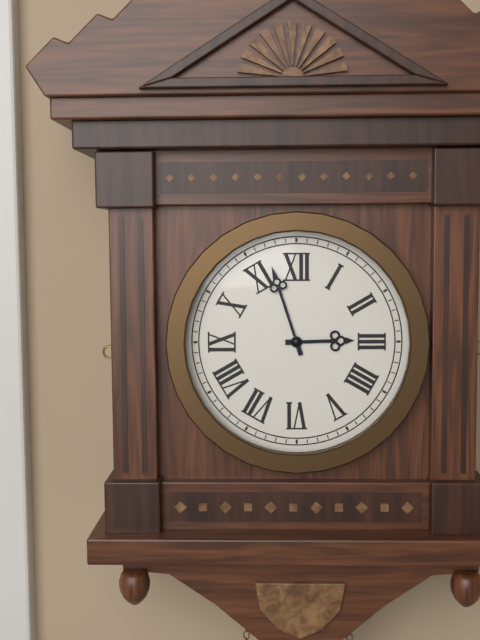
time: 2:57
